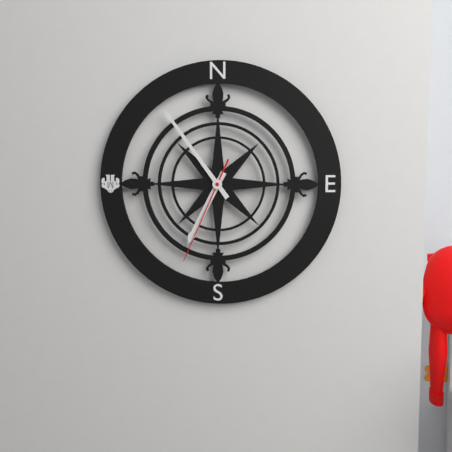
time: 6:54:34
